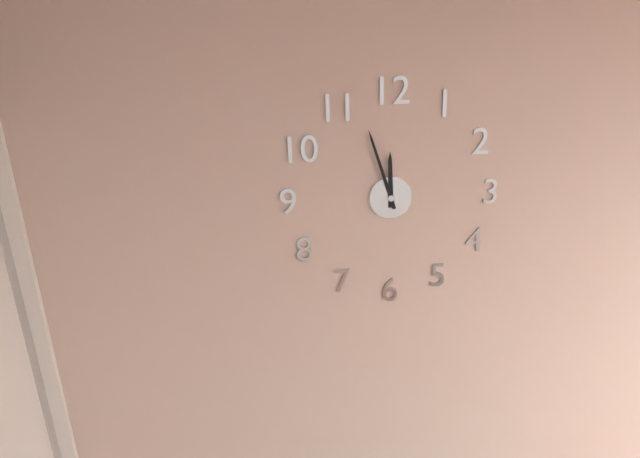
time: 11:57
